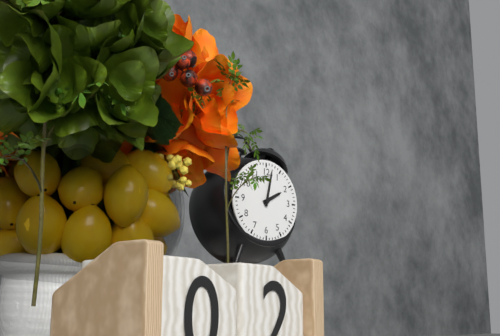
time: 2:02
